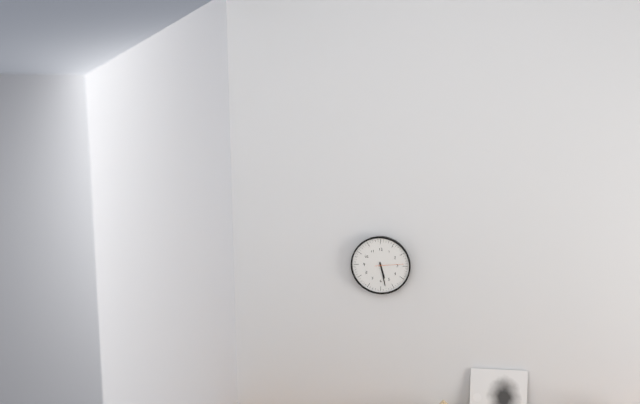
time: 5:28
